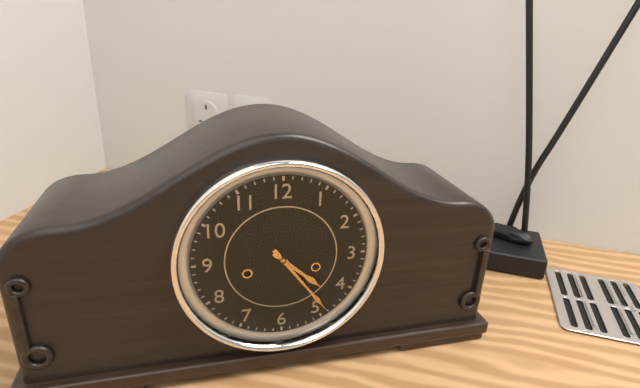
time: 4:24
